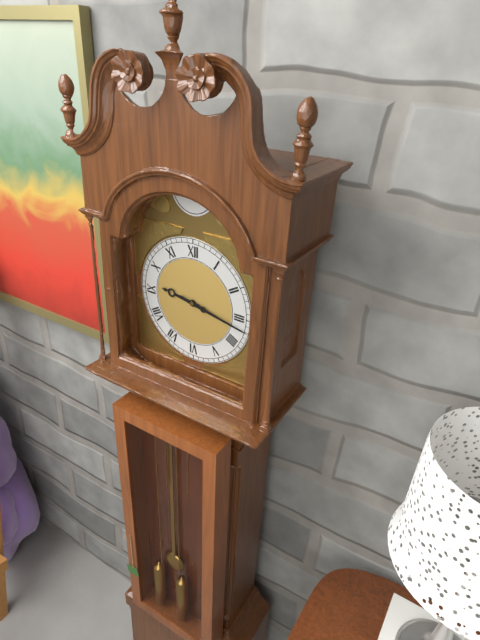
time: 9:17
